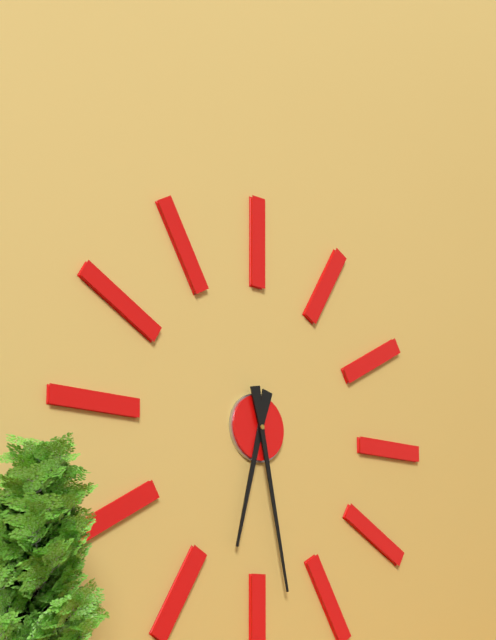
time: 6:28
